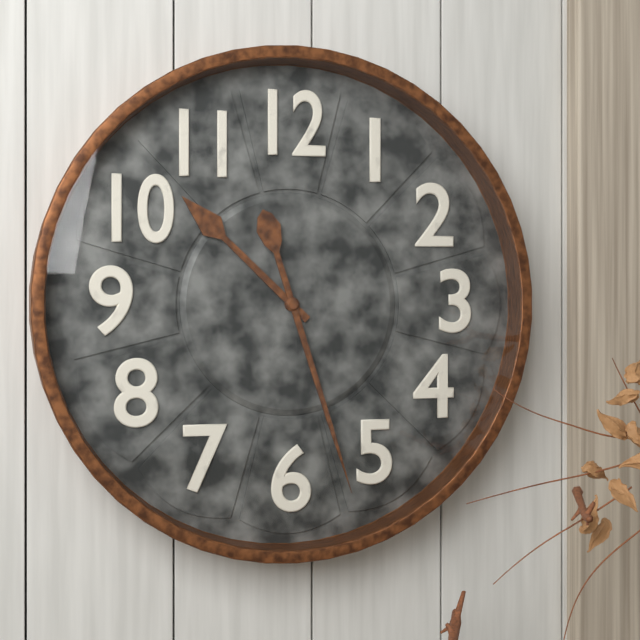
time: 10:27
